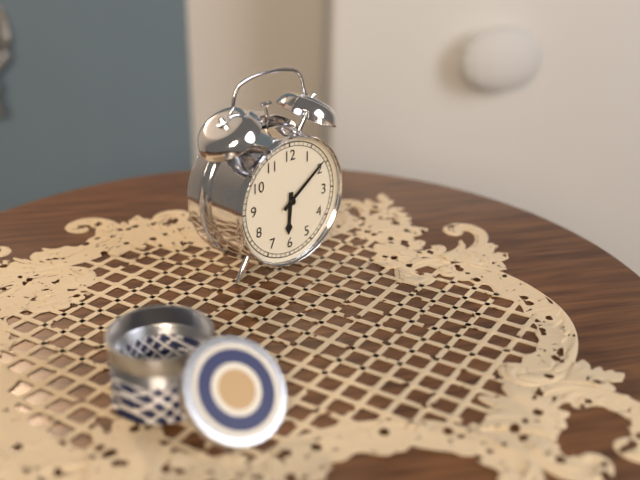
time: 6:09
